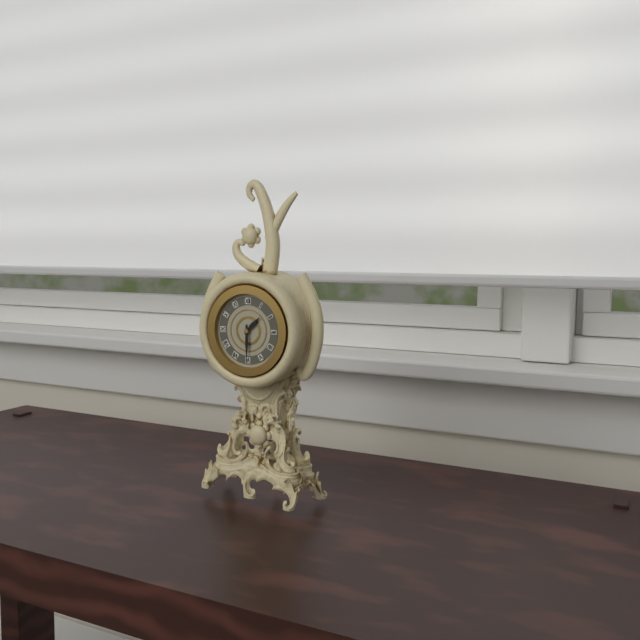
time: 1:30
